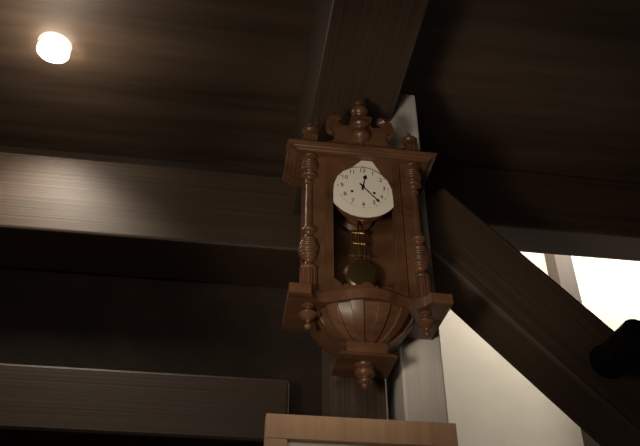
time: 12:23
